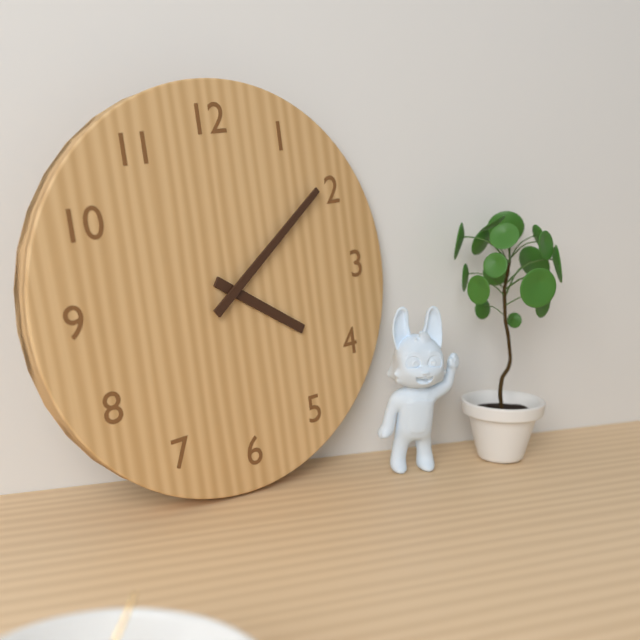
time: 4:09
